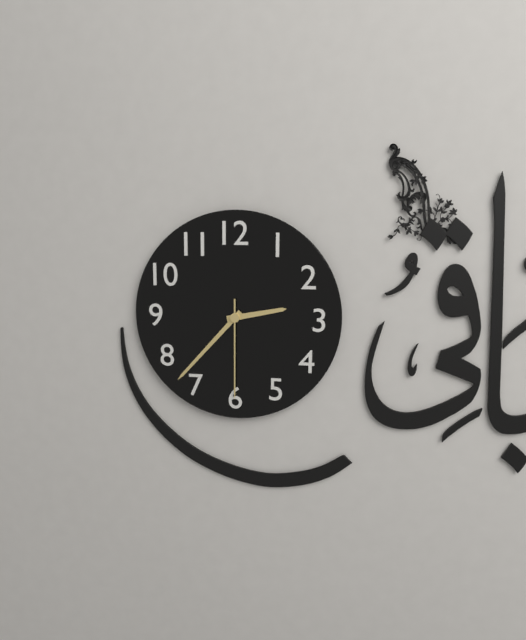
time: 2:37:30
